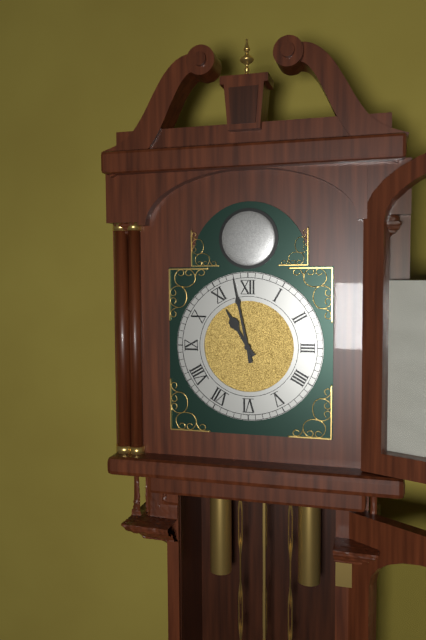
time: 10:58
